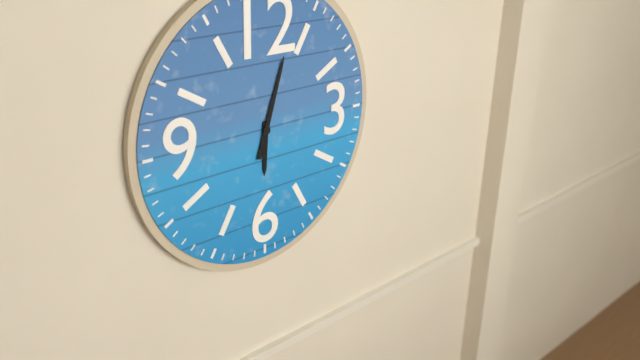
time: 6:03
